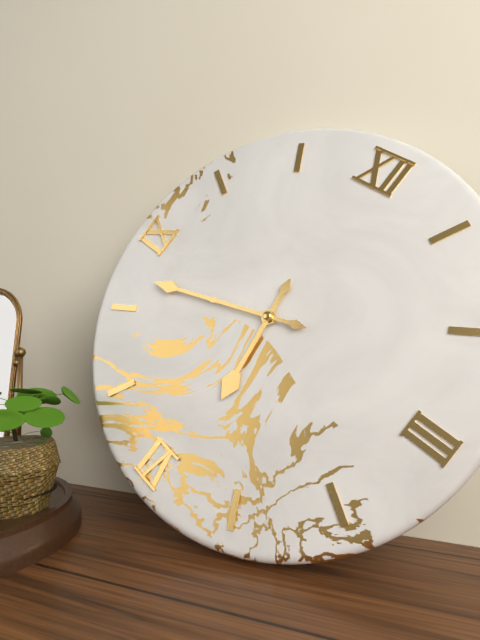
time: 5:42
